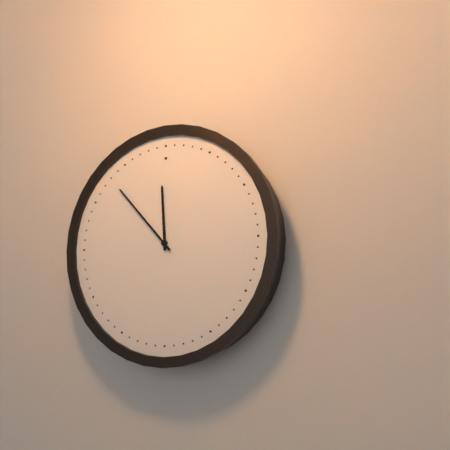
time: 11:53
